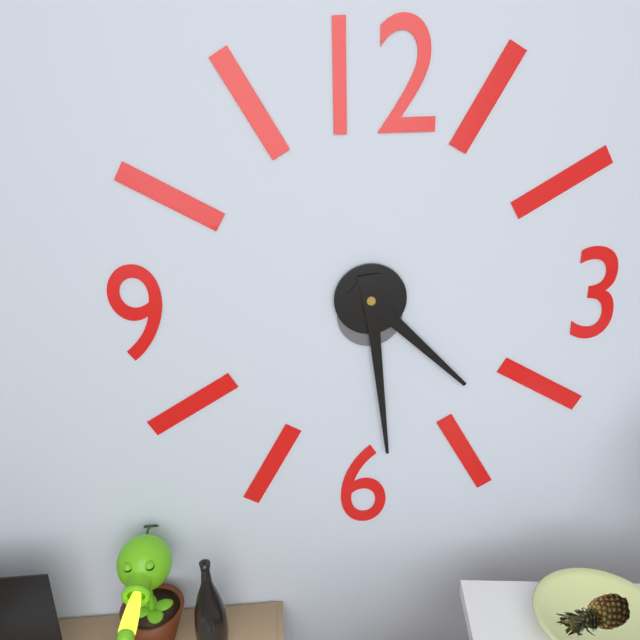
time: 4:29
